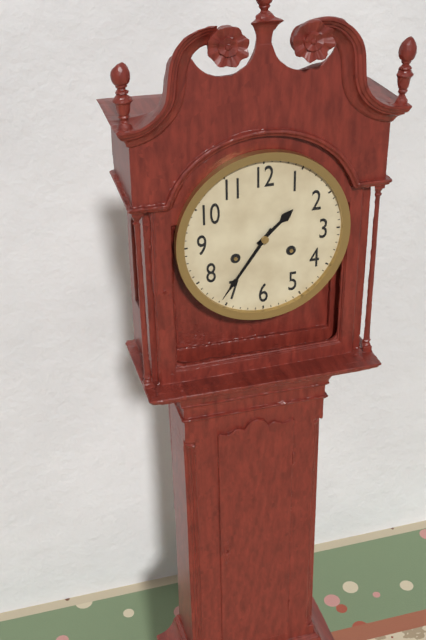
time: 1:36
